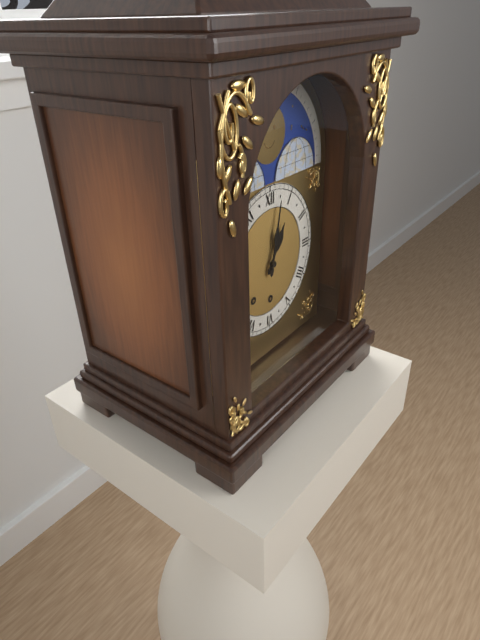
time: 1:02
